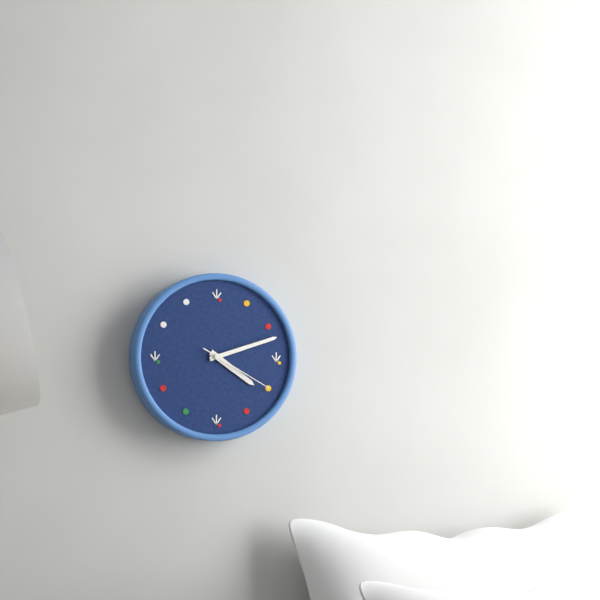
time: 4:12:20
